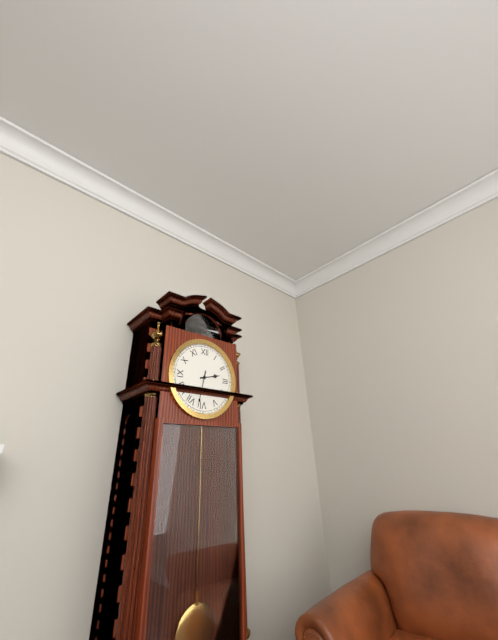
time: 2:32
